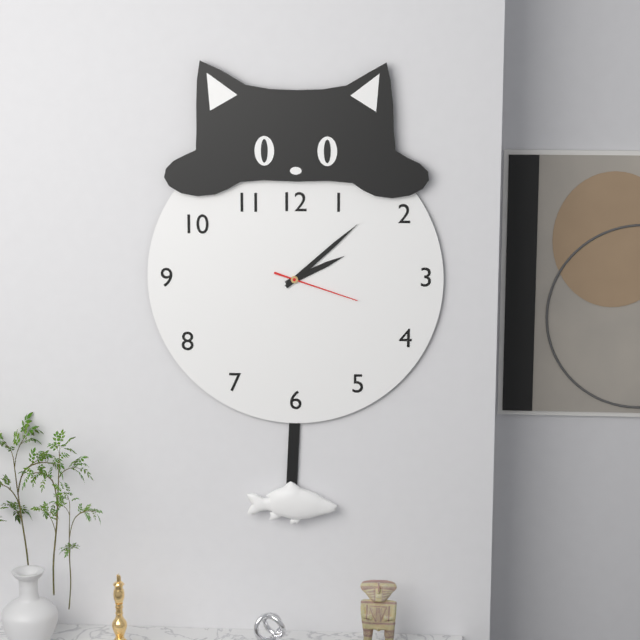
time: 2:08:18
